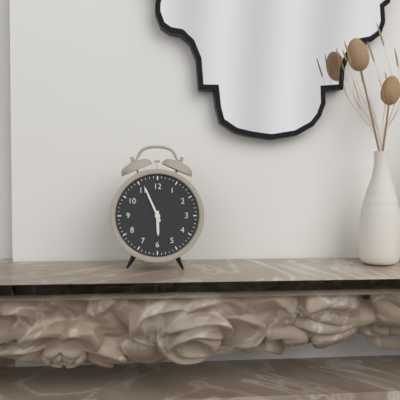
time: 5:56
